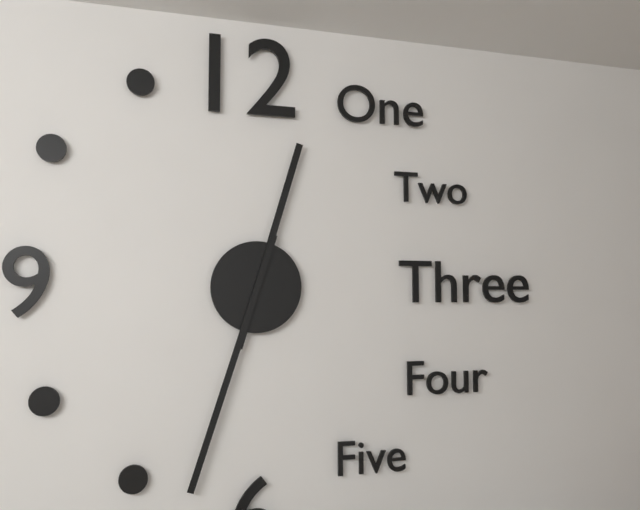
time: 12:33
